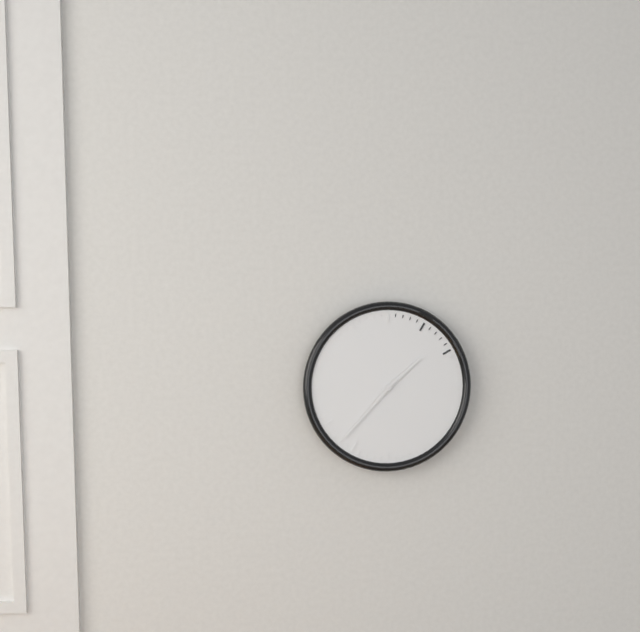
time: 1:37
